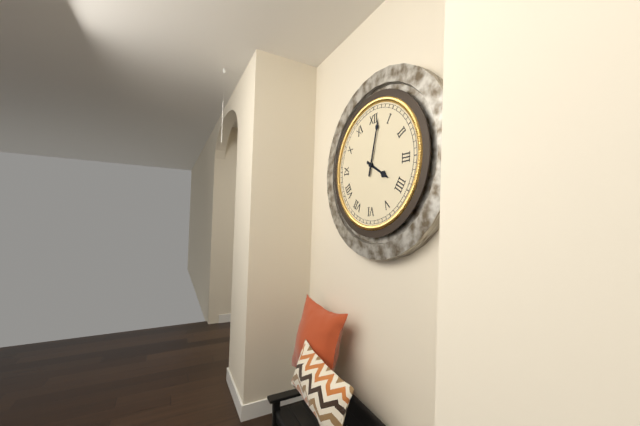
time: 4:02
